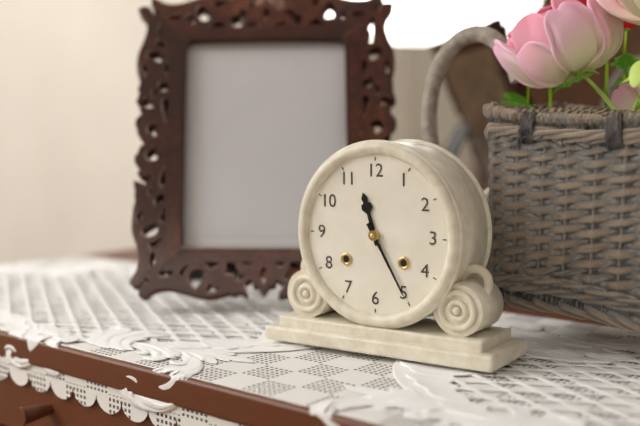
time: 11:25
